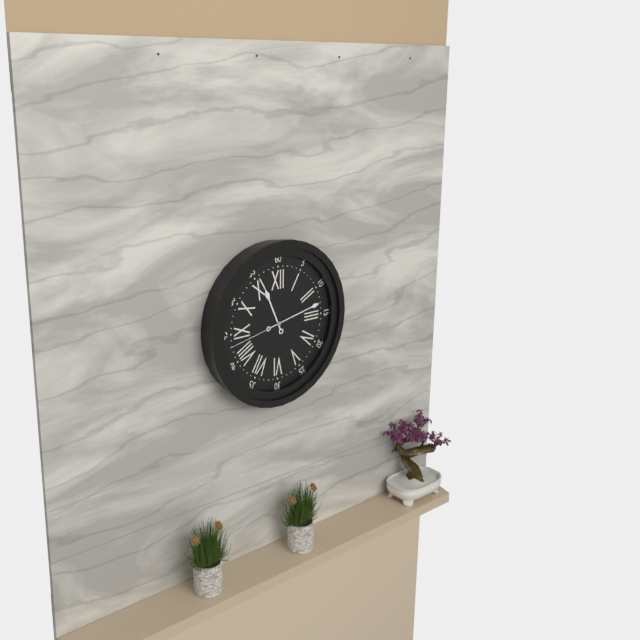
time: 11:13:43
